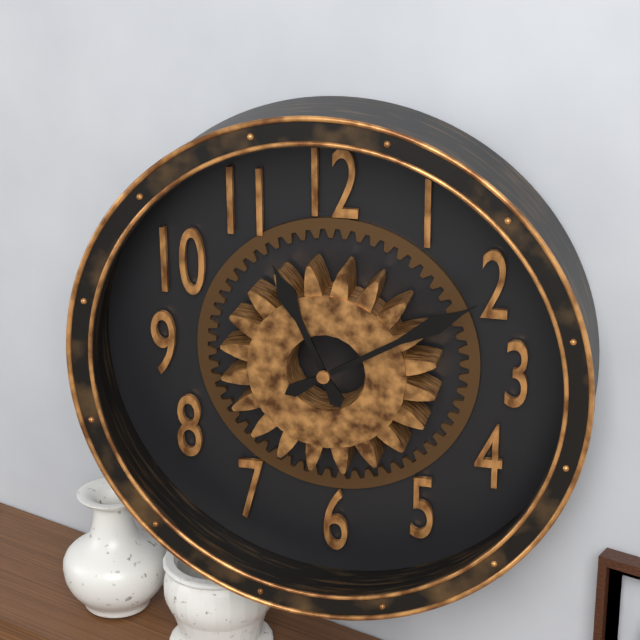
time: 11:10
